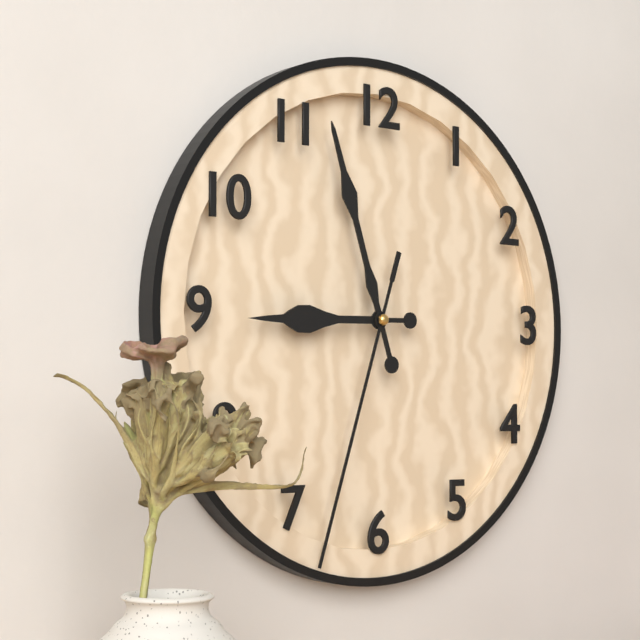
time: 8:57:33
